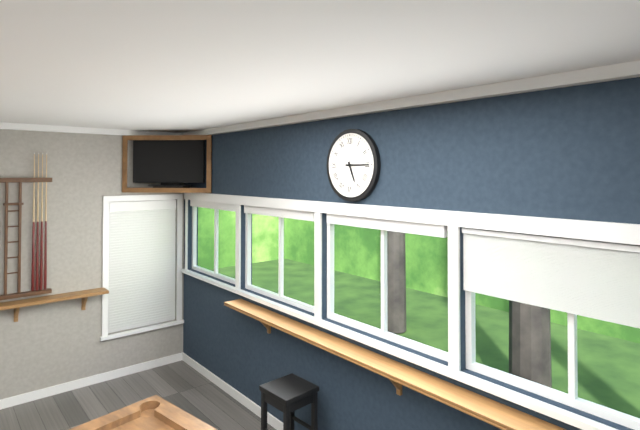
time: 5:15
